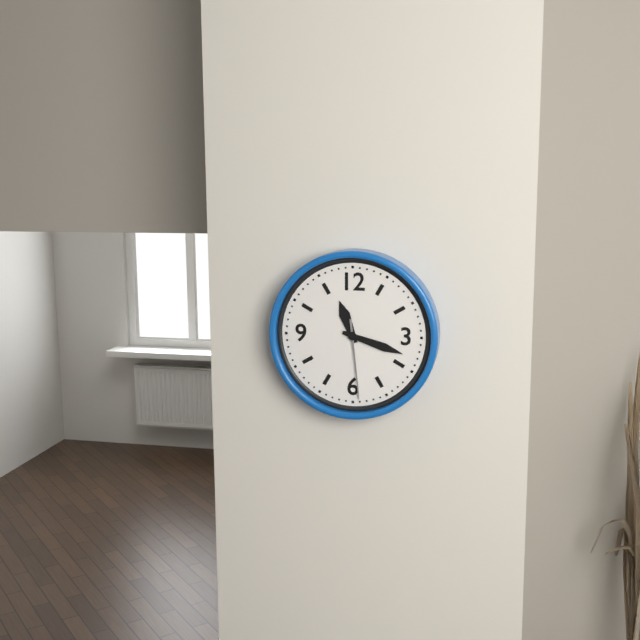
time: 11:18:29
